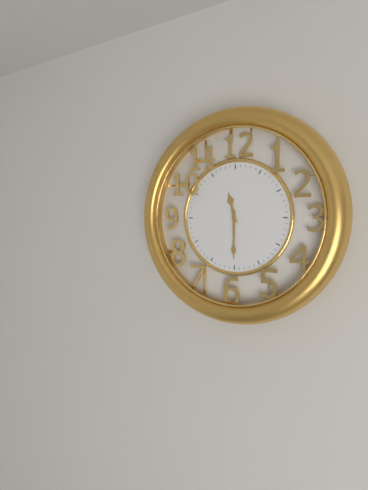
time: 11:30
